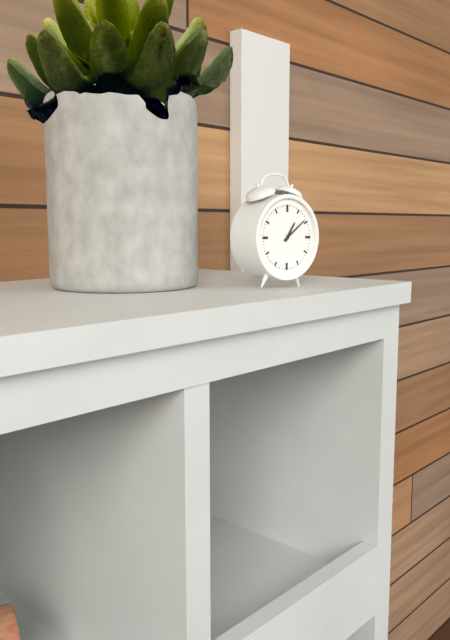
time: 1:09
